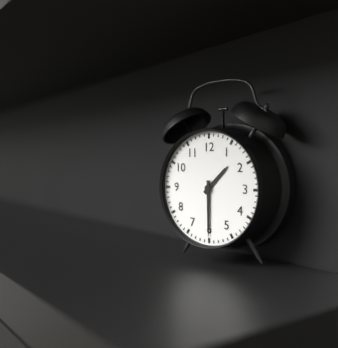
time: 1:30
